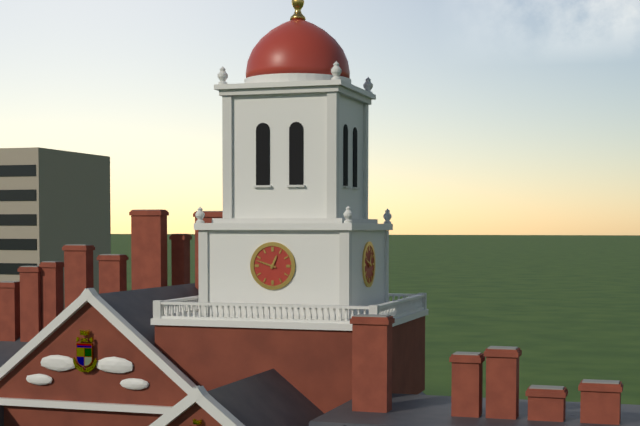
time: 12:48
